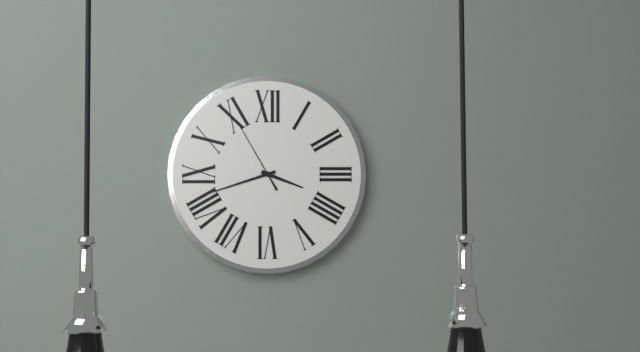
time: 3:42:55
